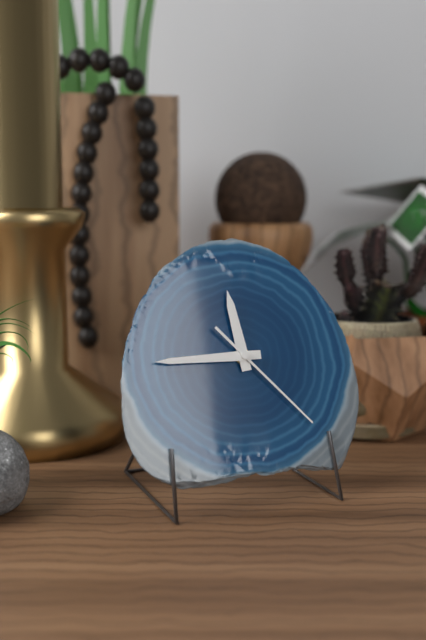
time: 11:45:23
